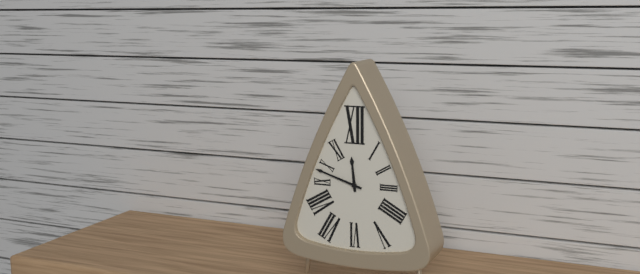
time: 11:48
